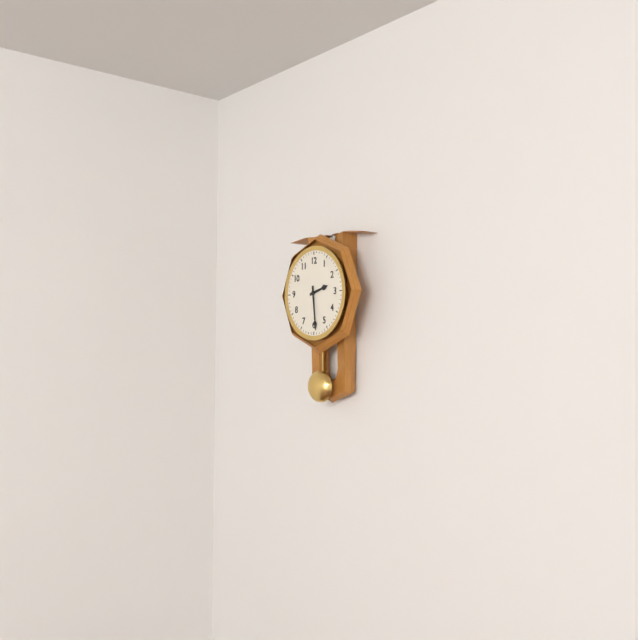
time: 2:29
